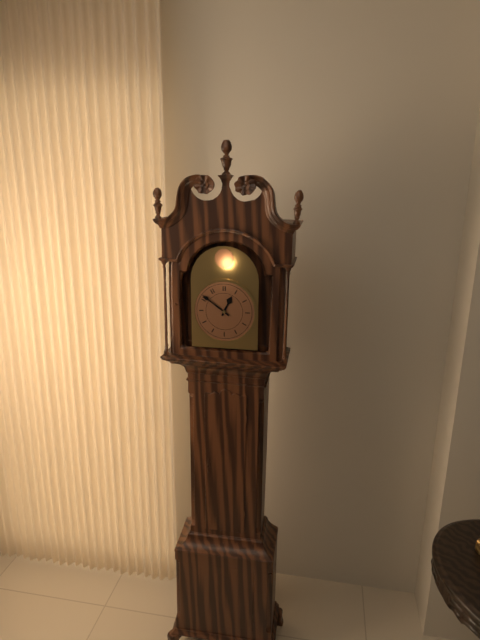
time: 12:51
